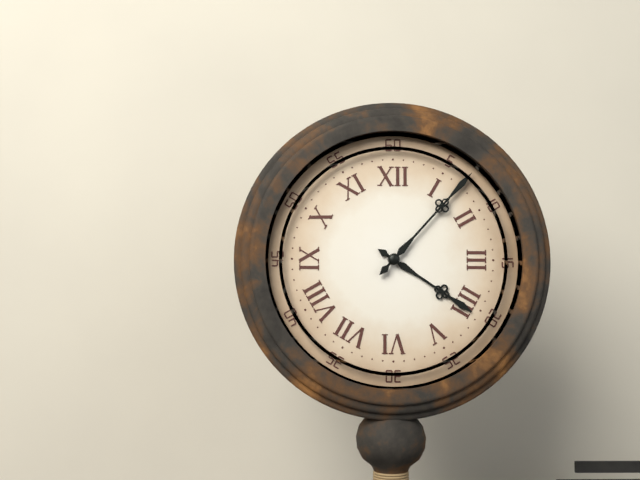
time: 4:07
